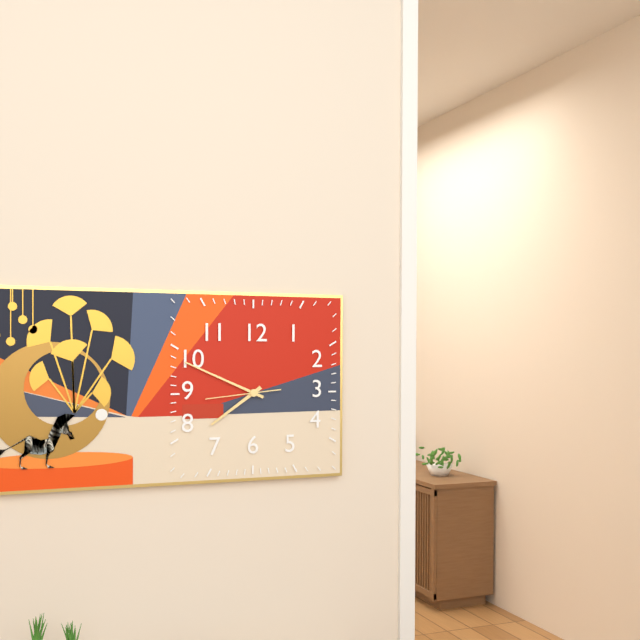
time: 7:49:44
